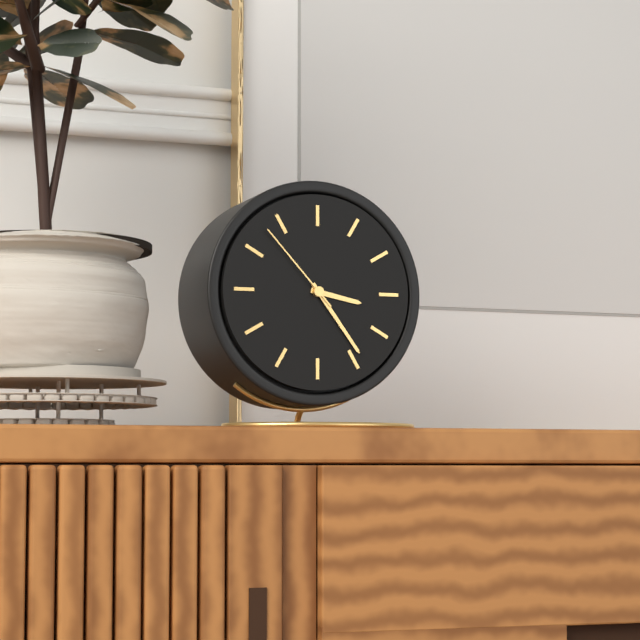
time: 3:24:53
